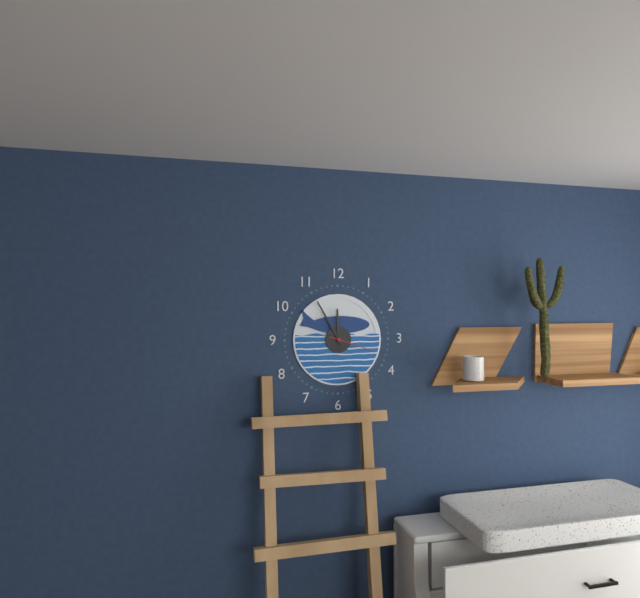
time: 11:55
